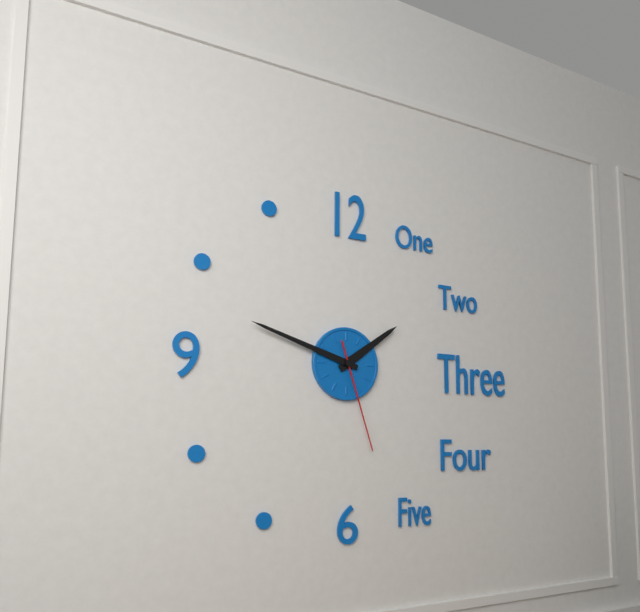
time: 1:48:27
